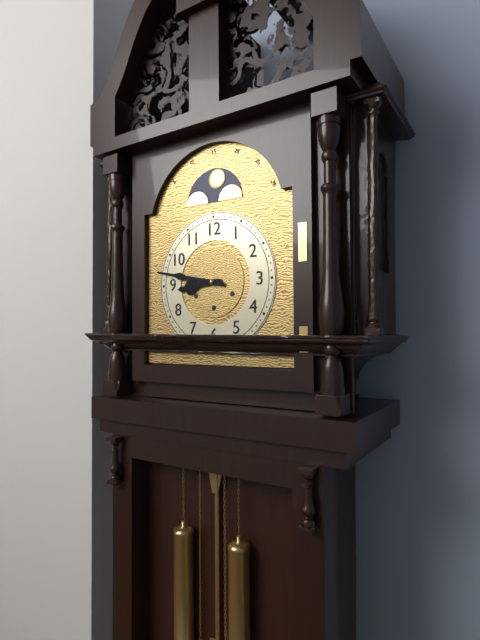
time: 8:47
